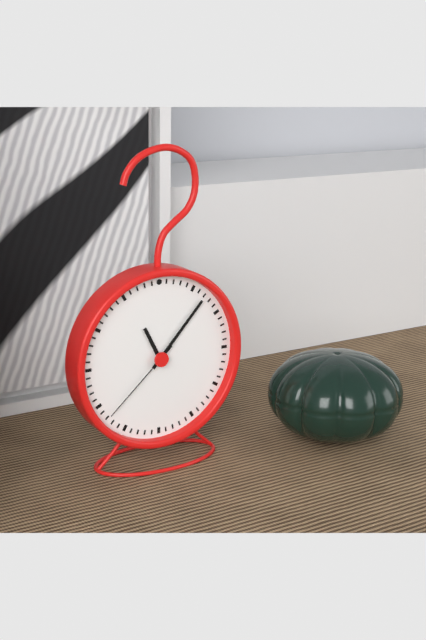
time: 11:07:38
